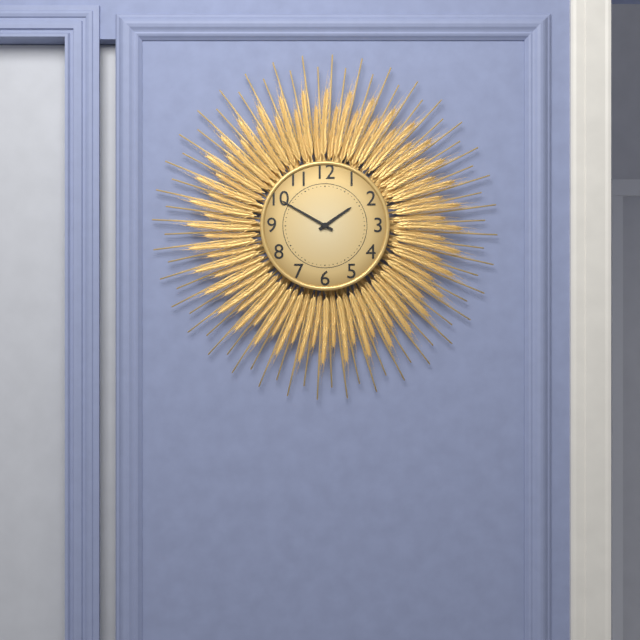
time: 1:50
